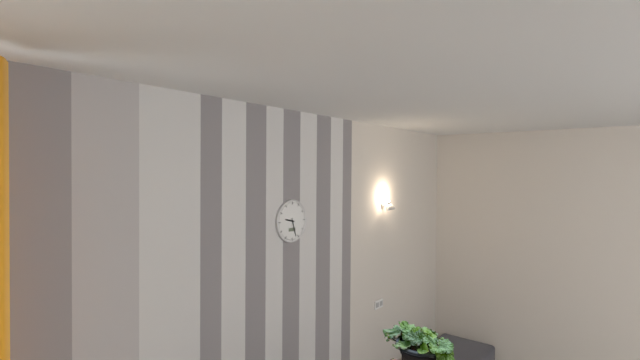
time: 9:27
